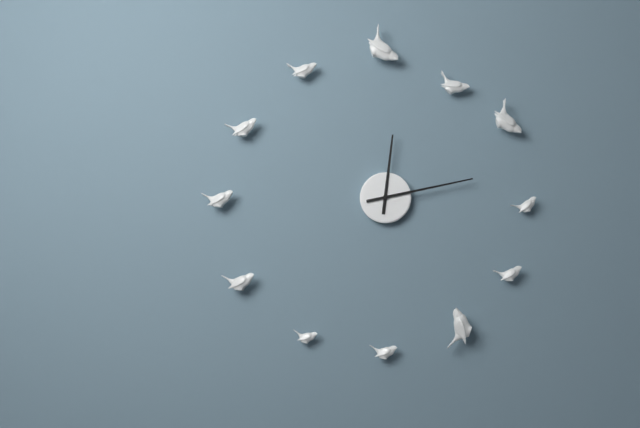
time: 12:13
